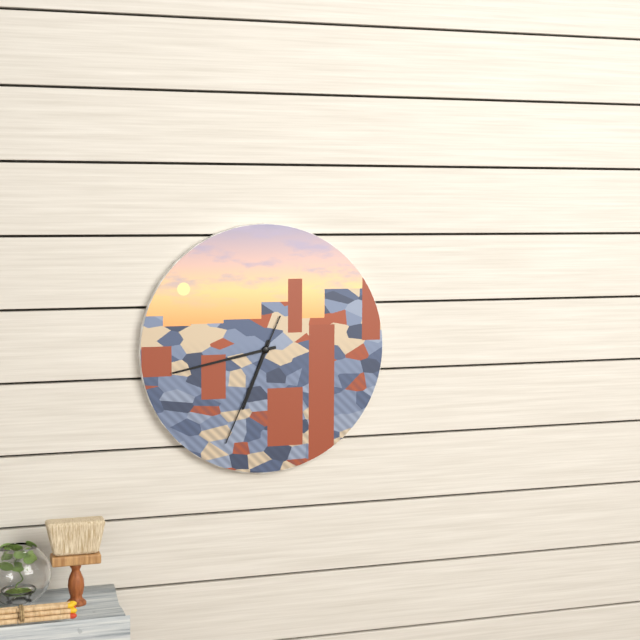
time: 6:43:34
